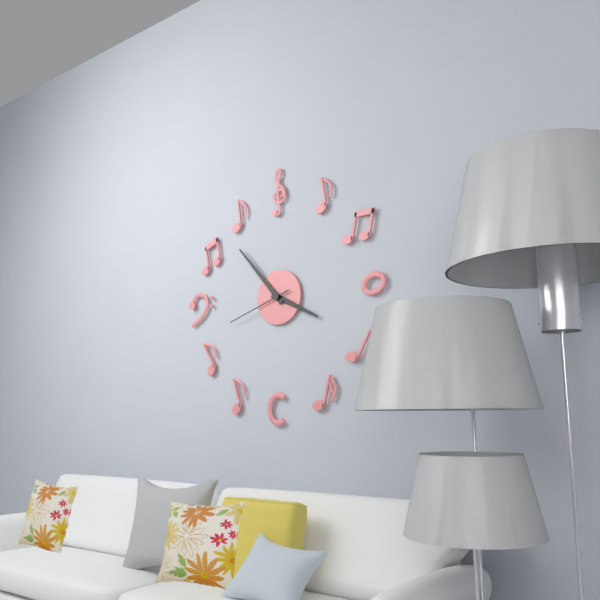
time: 3:53:42
